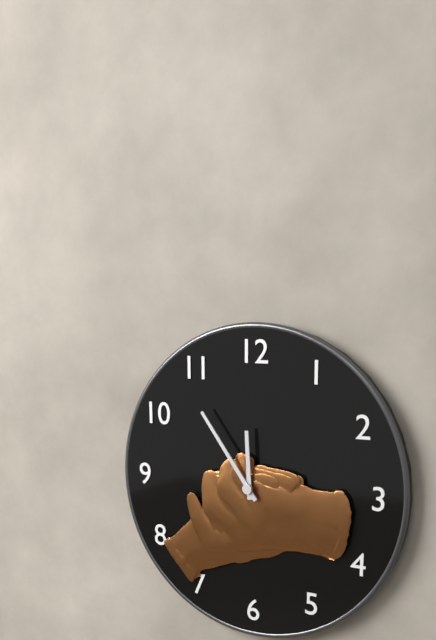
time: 11:54
